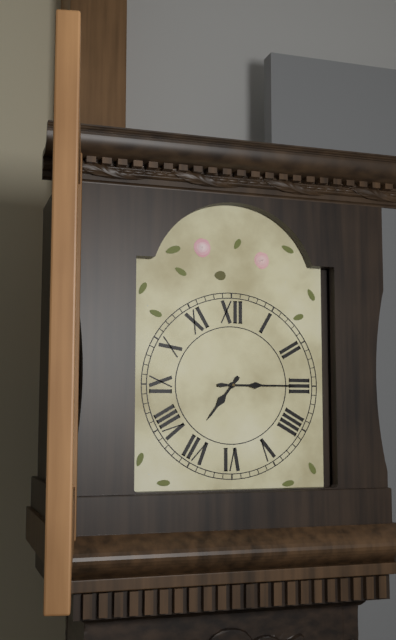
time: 7:15
